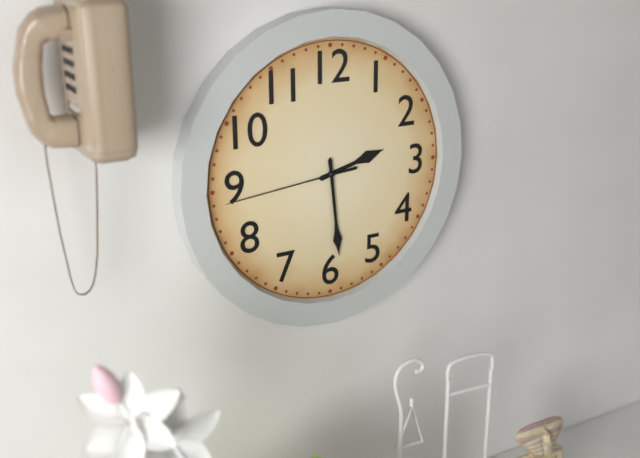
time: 2:29:44
